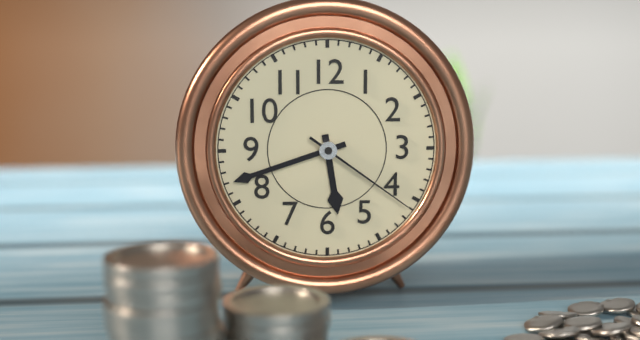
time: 5:42:21
